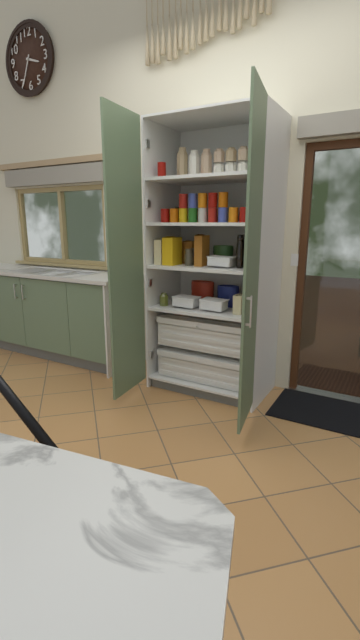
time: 3:34
